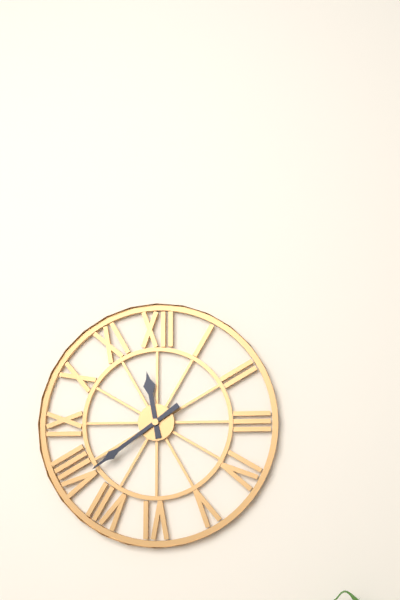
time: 11:39
